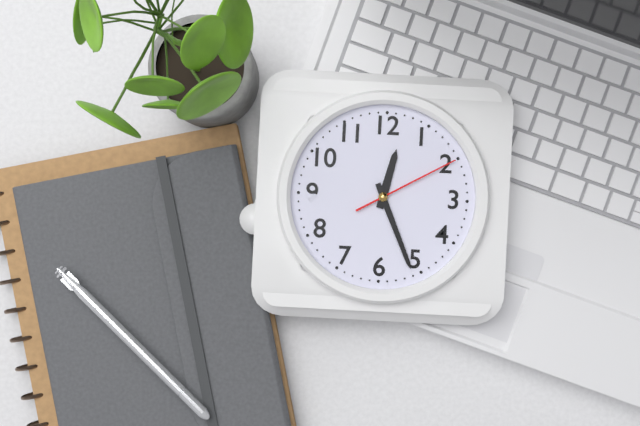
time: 12:26:10
